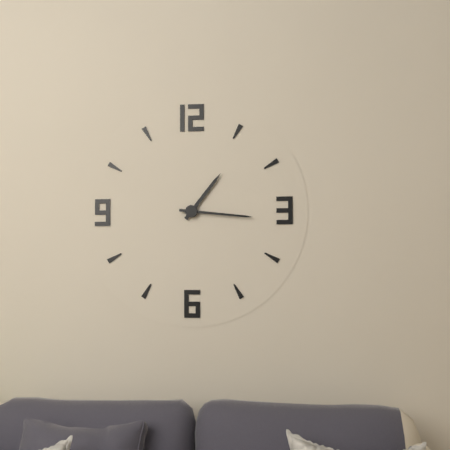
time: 1:16
